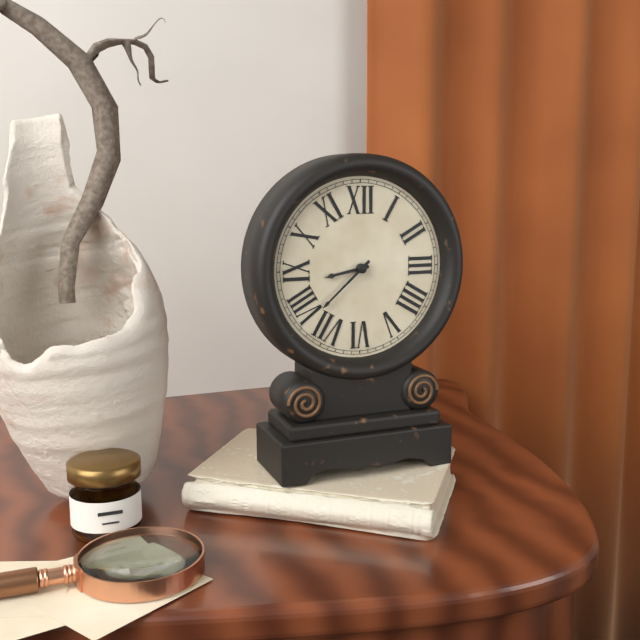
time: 8:38
